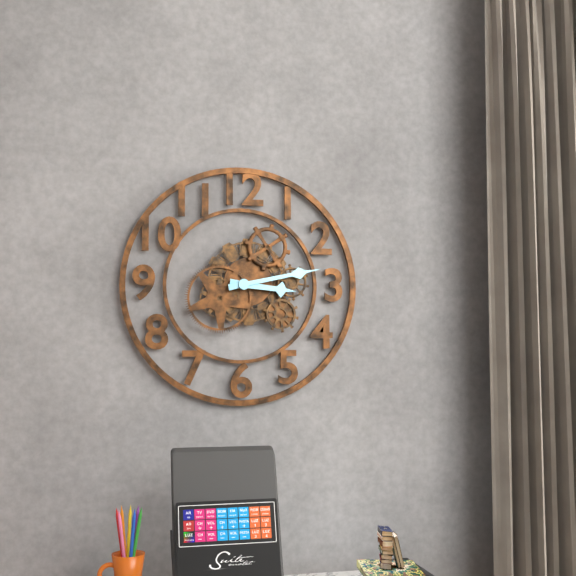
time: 3:13
